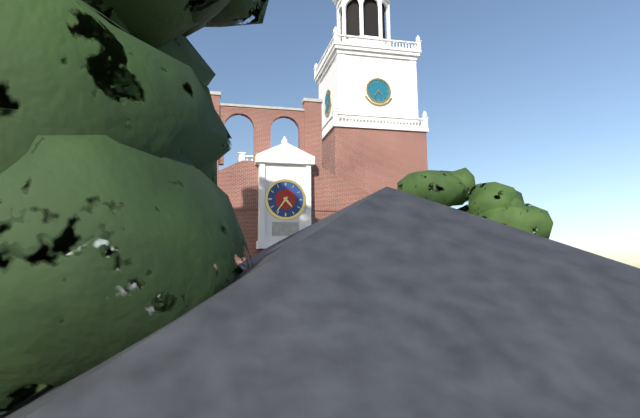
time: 4:36
